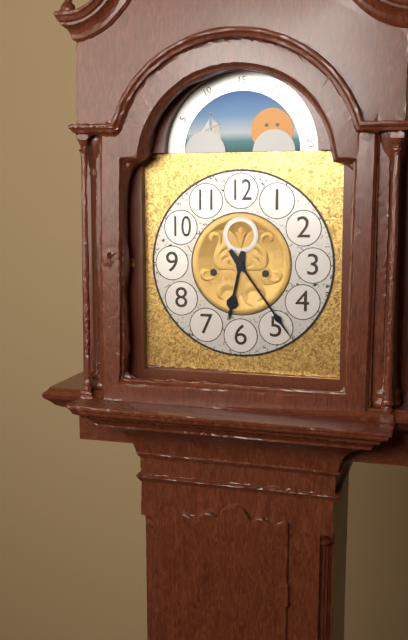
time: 6:24
